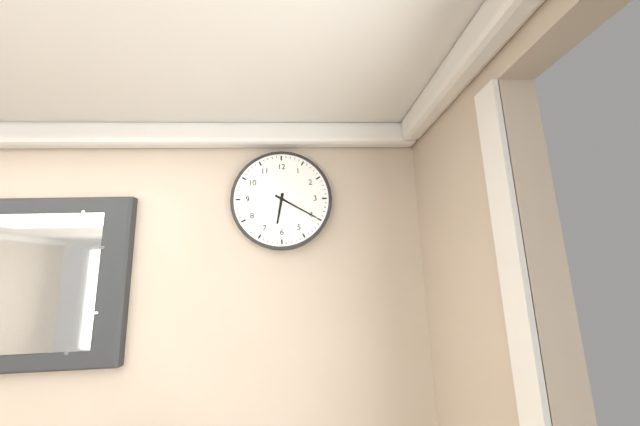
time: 6:20
